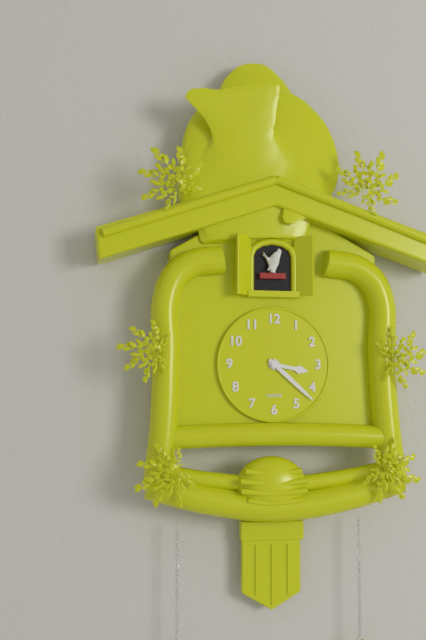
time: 3:22
